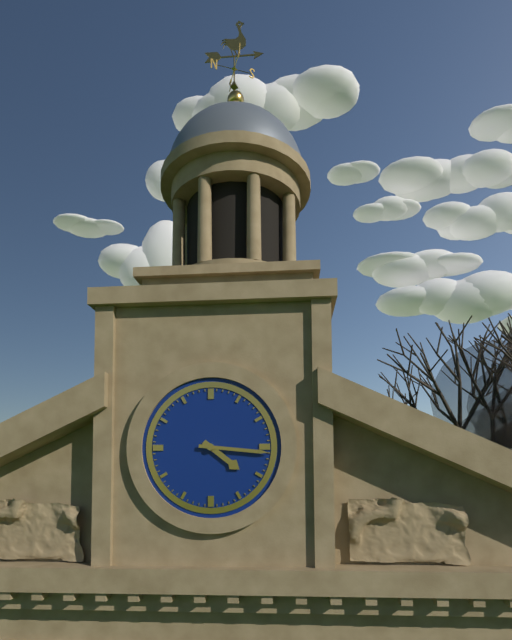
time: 4:16
